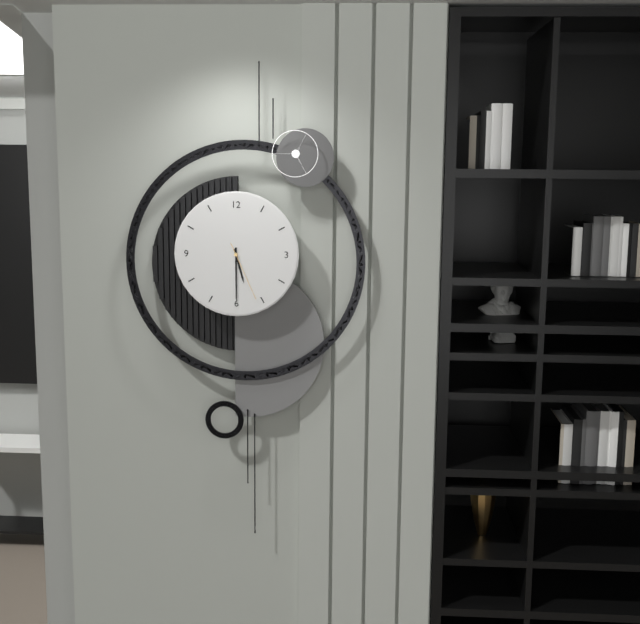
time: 5:30:26
